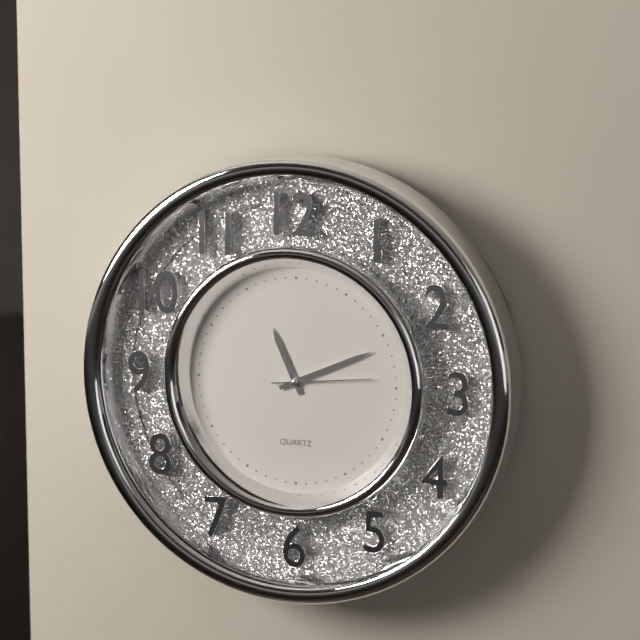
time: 11:11:14
